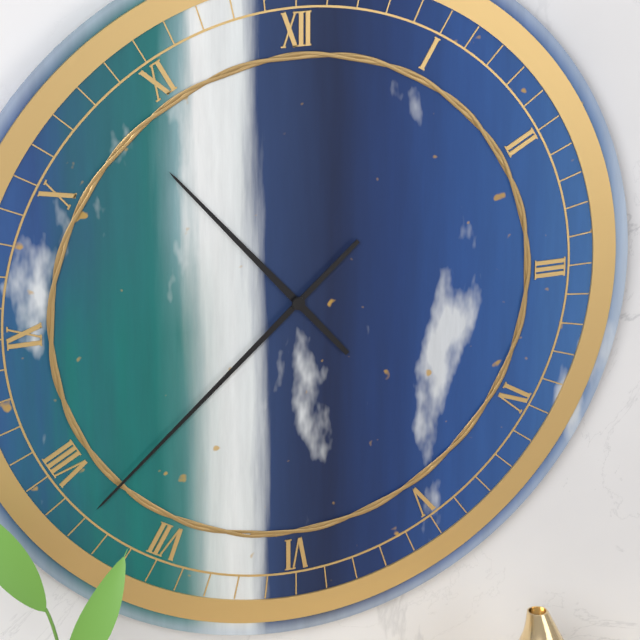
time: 10:38
